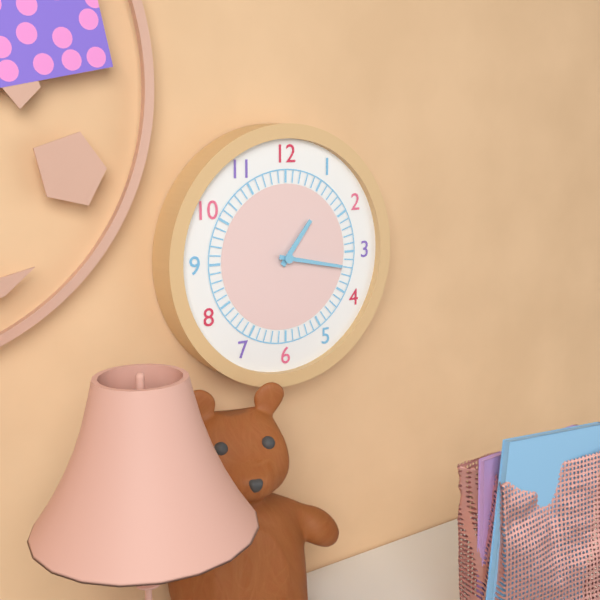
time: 1:17
